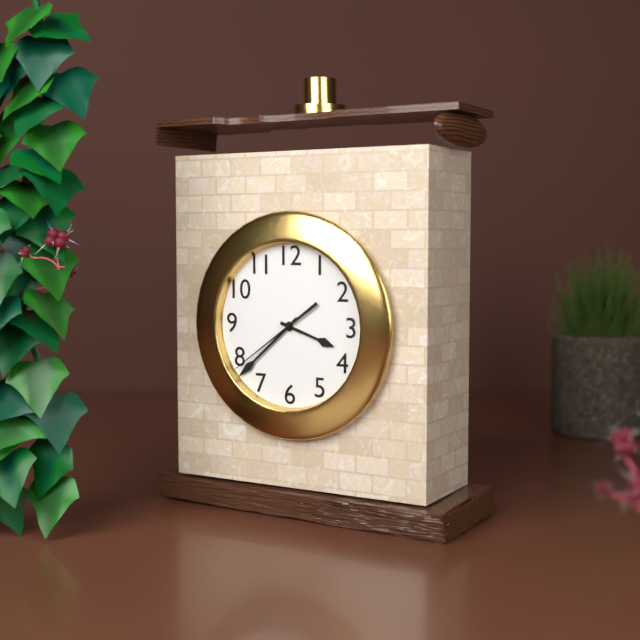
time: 3:38:39
